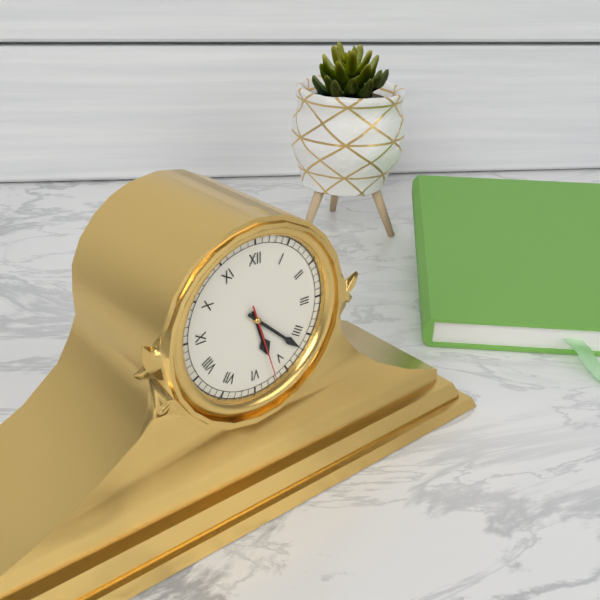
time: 5:22:27
